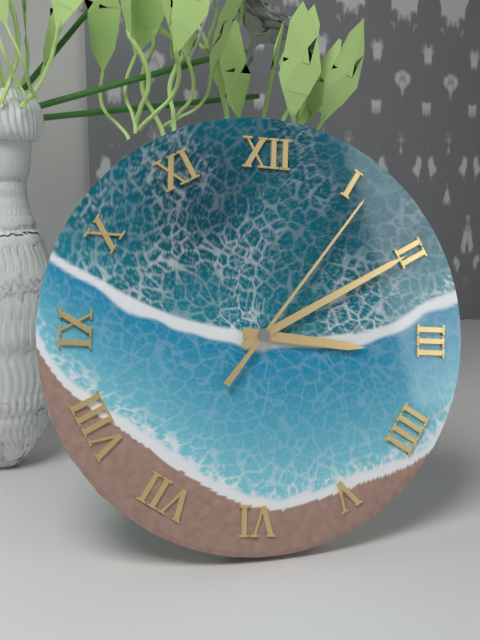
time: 3:10:06
